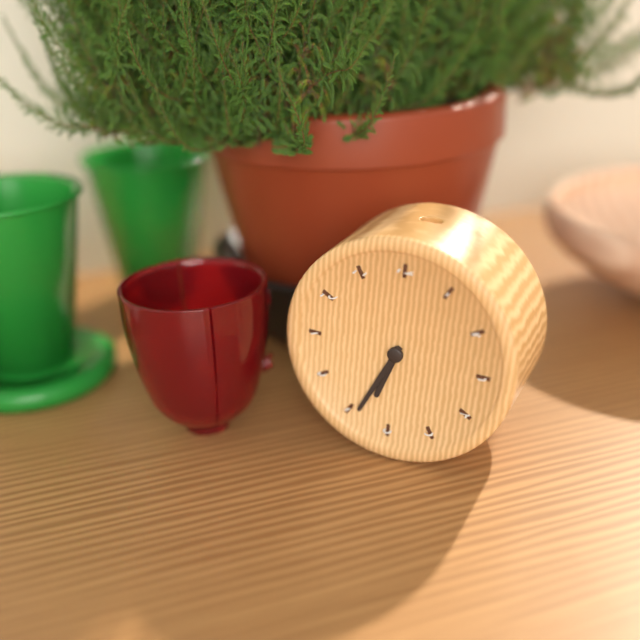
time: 6:34
